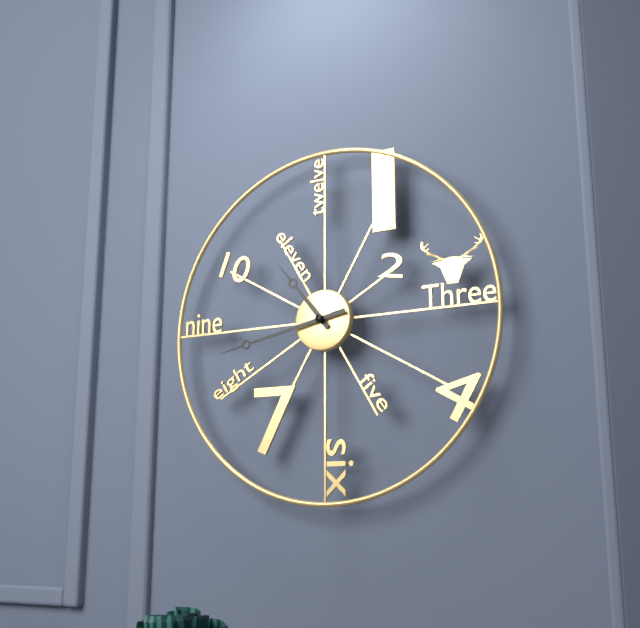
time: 10:43
